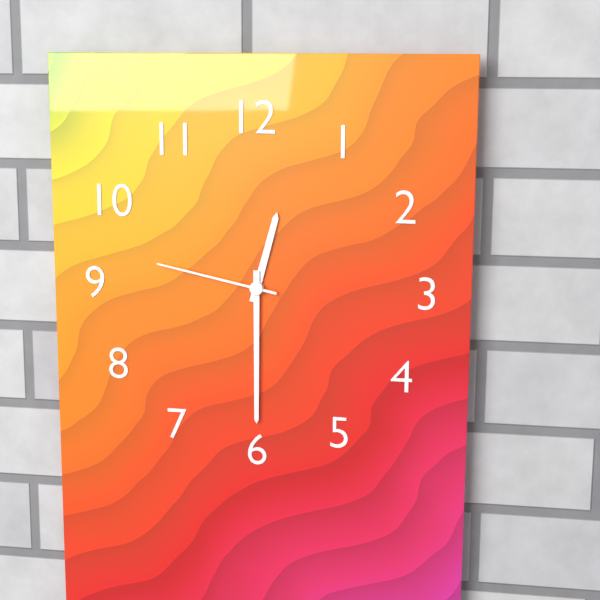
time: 12:30:47
